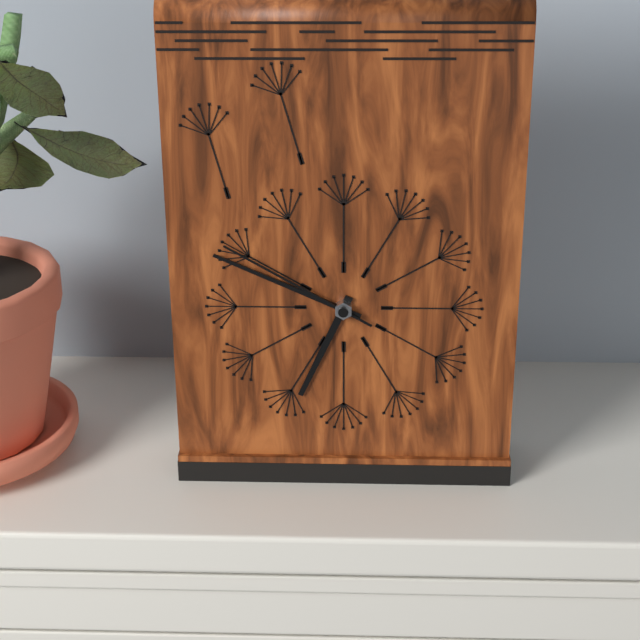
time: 6:49:50
